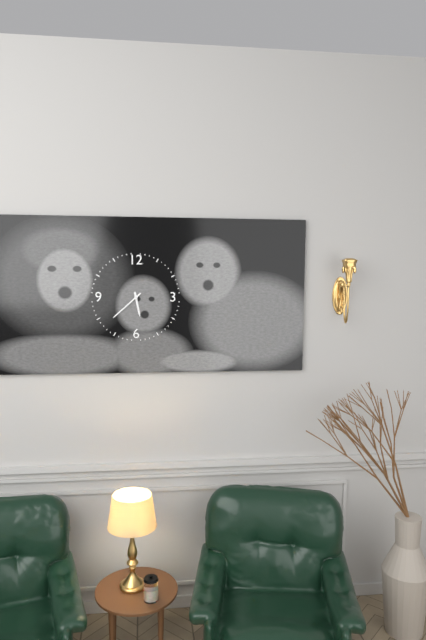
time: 5:38
